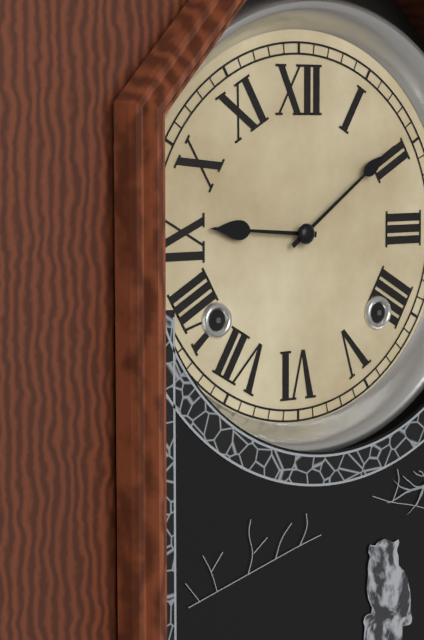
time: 9:09
